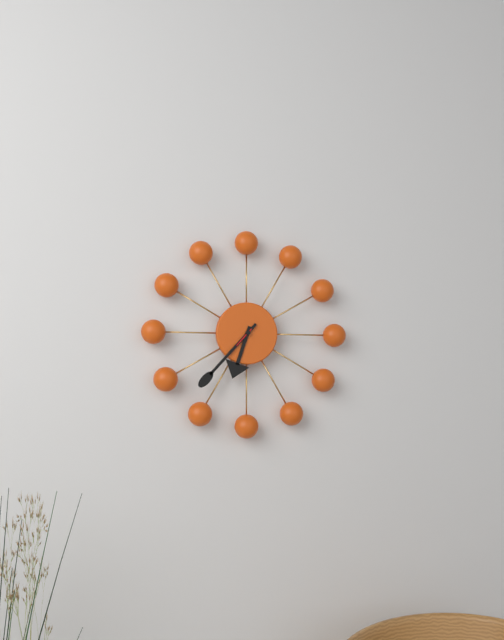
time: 6:37
